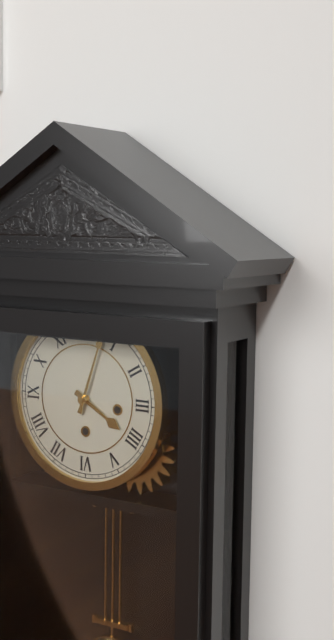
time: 4:03
